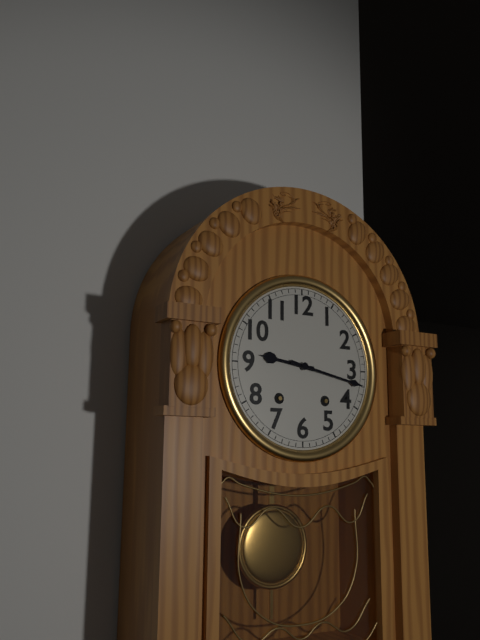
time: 9:17
